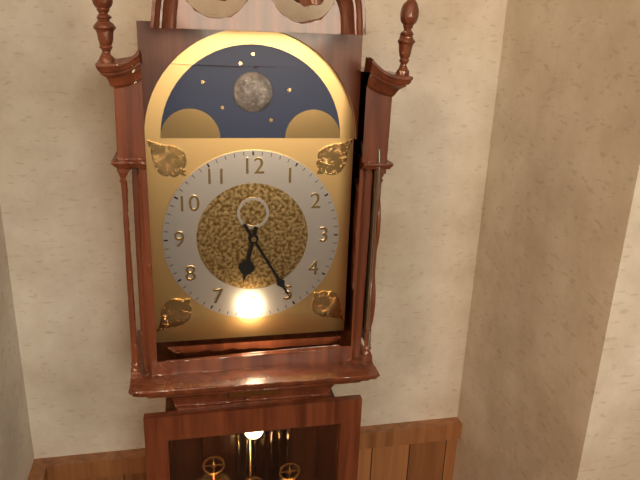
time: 6:25
